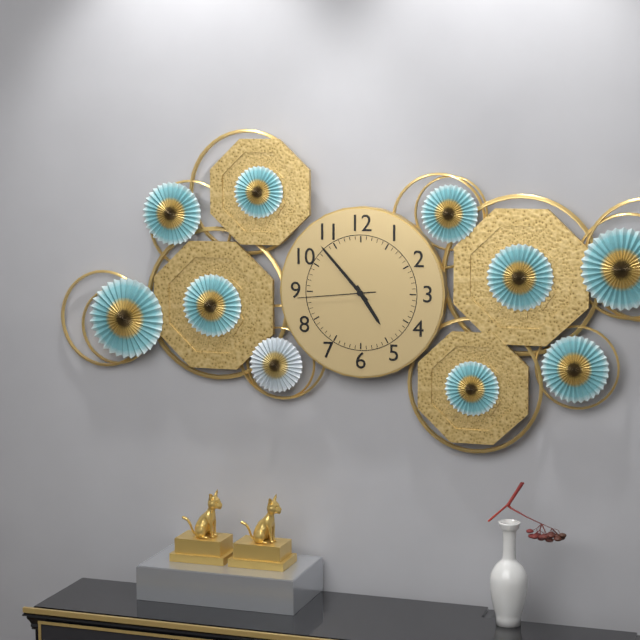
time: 4:53:44
